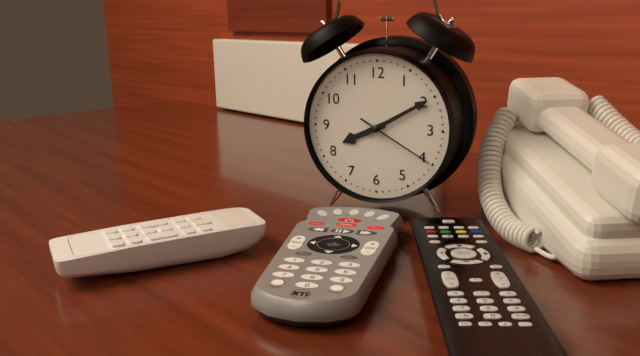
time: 8:10:20
